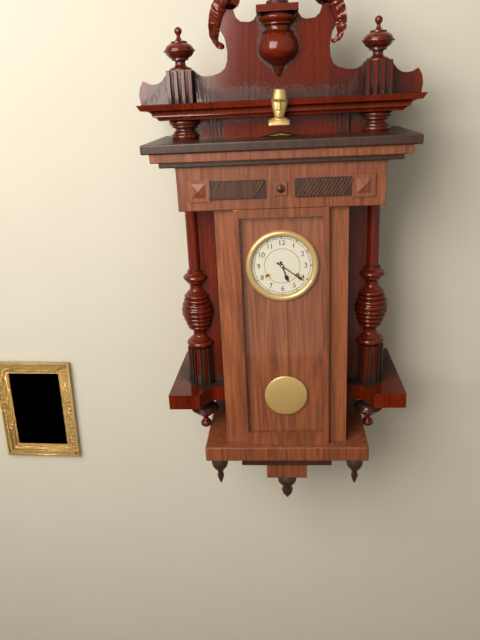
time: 5:21
